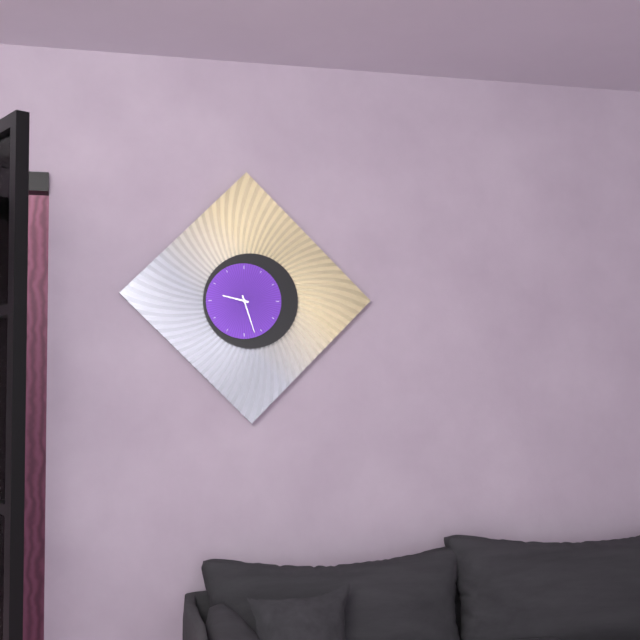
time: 9:27
